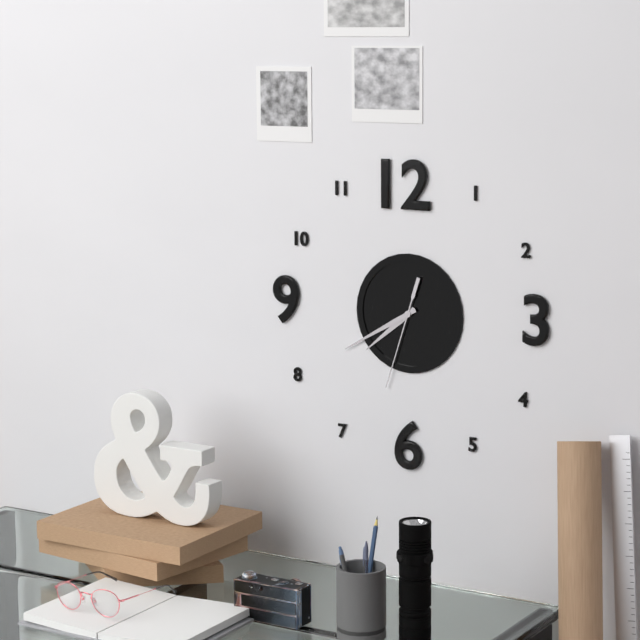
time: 7:40:33
